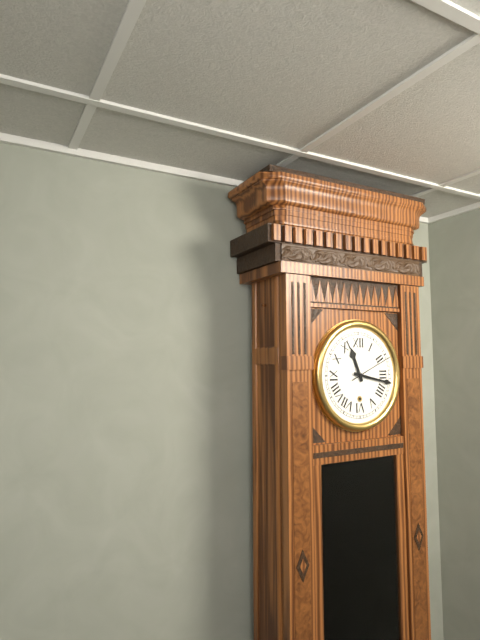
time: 11:17:11
